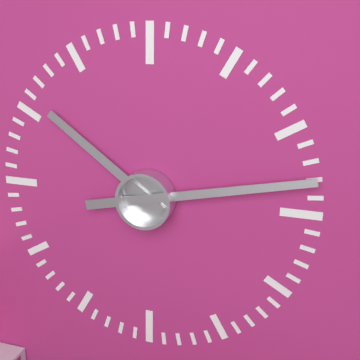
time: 10:13
